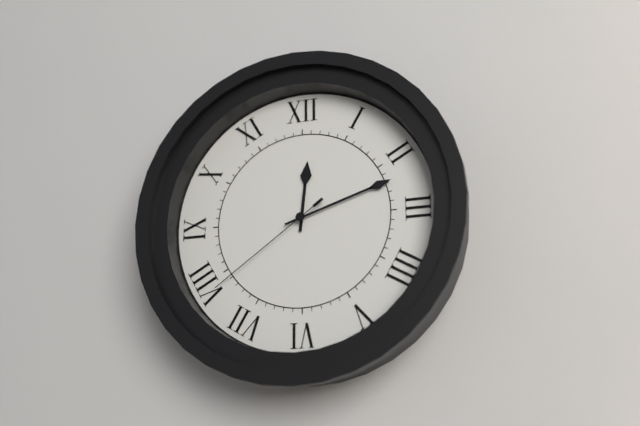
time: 12:12:39
